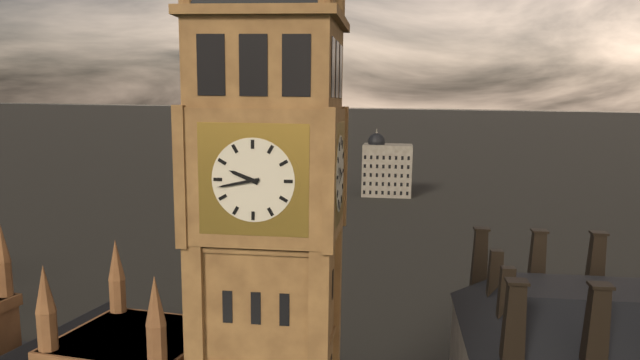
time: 9:43
